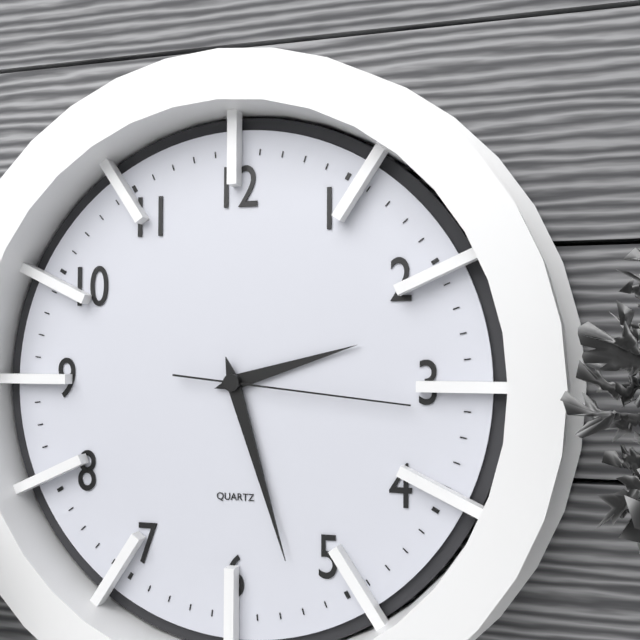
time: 2:27:16
